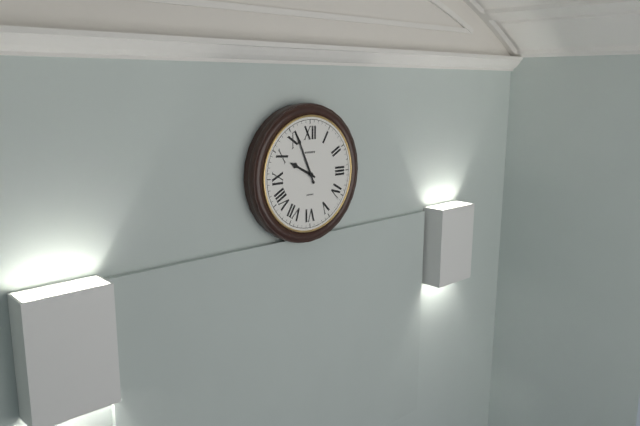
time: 9:56
